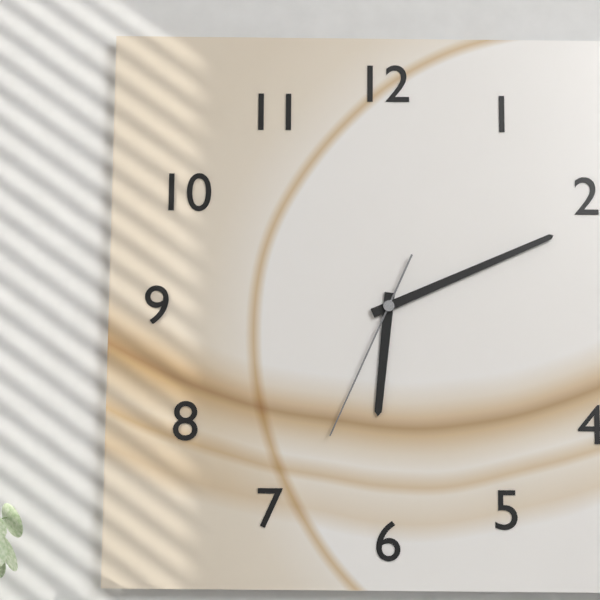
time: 6:11:34
